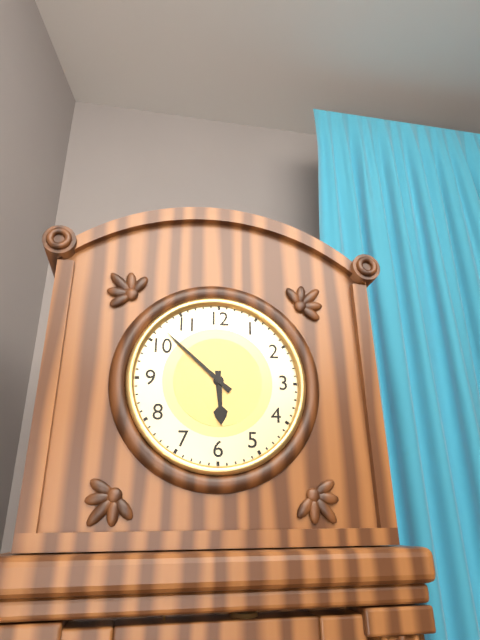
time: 5:52
